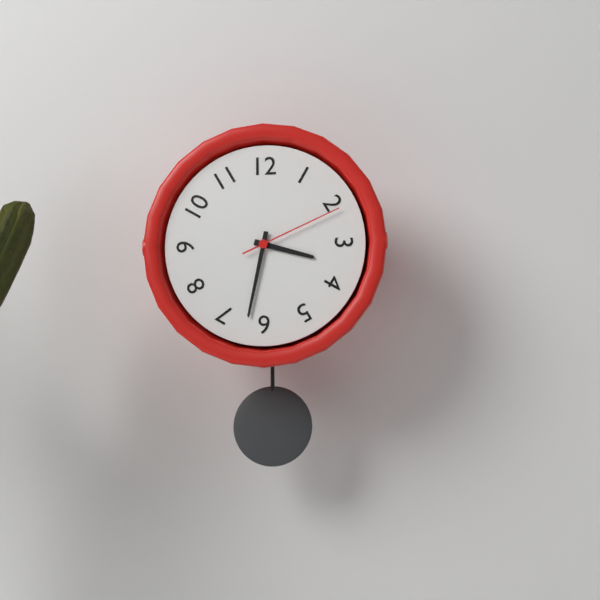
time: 3:32:11
